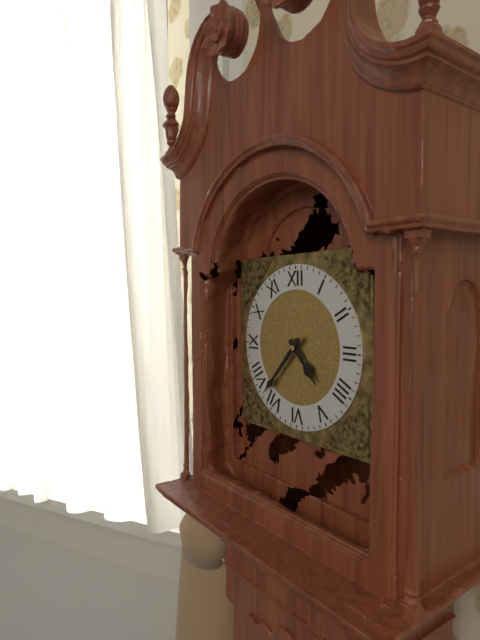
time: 4:37
